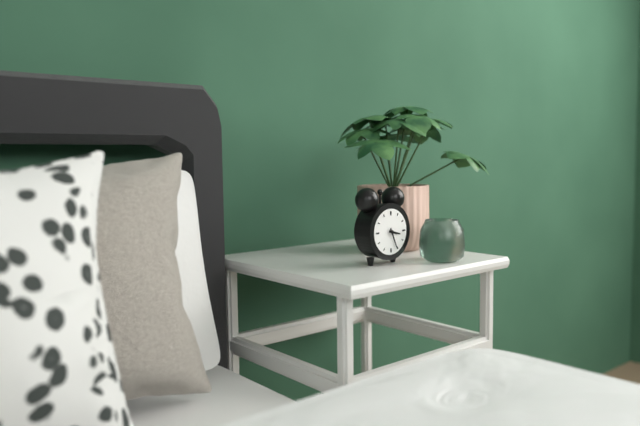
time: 3:26
